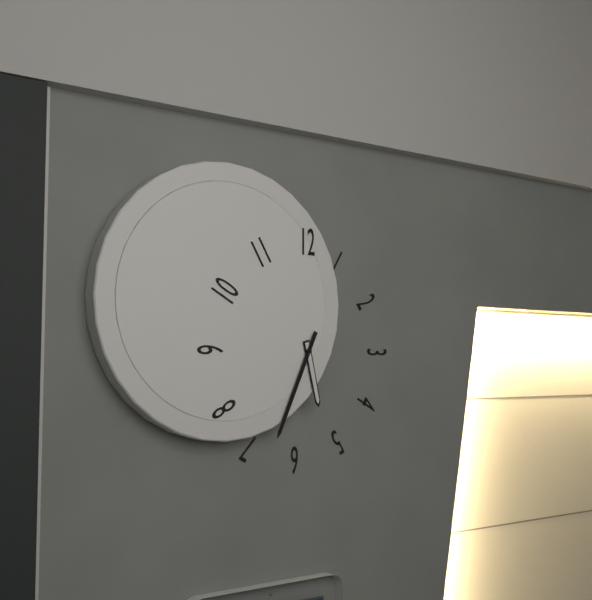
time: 5:34
